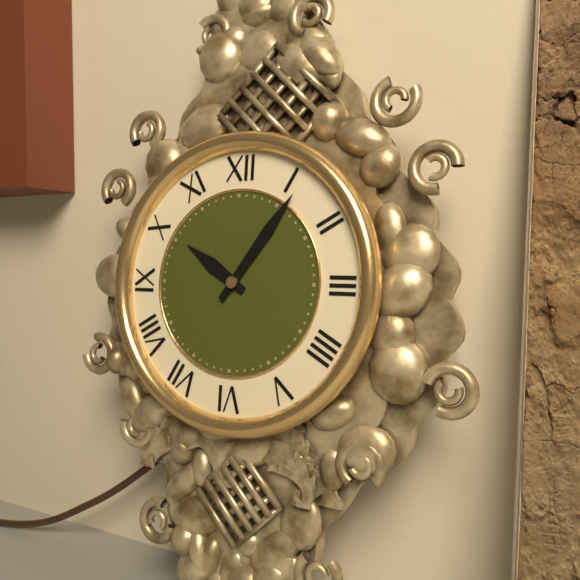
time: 10:06
